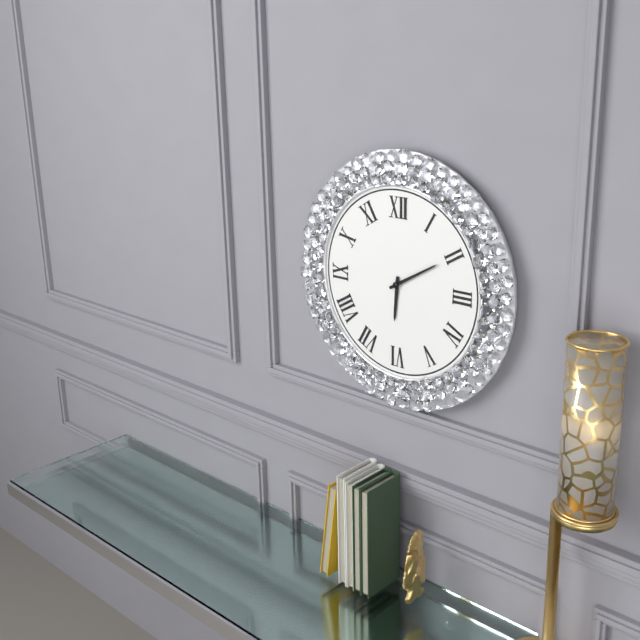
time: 6:10
